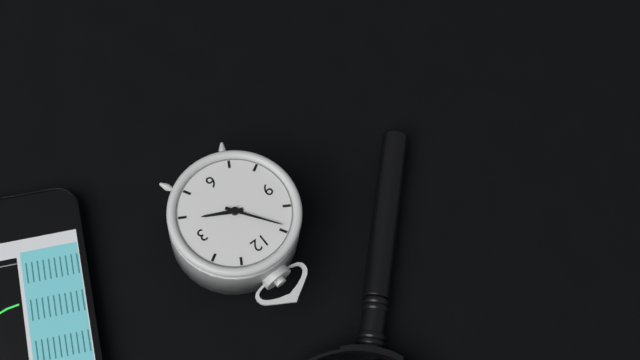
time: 3:54
